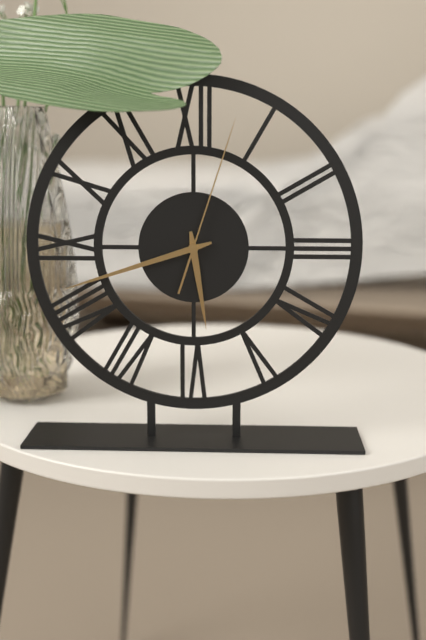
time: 5:42:03
